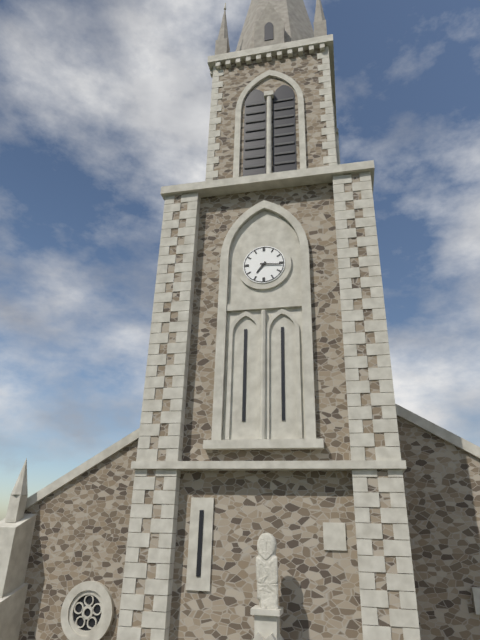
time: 7:16
